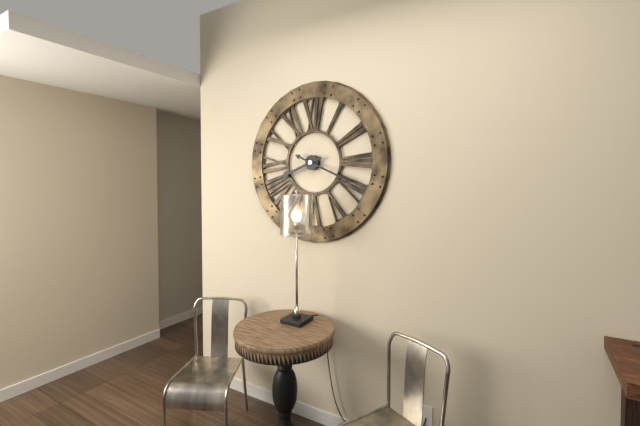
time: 8:19
